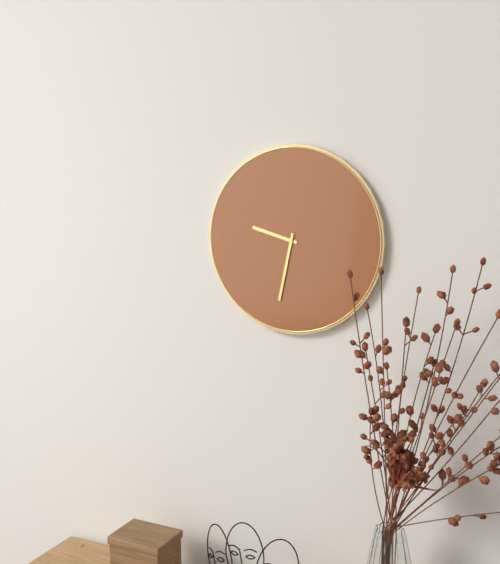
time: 9:32
